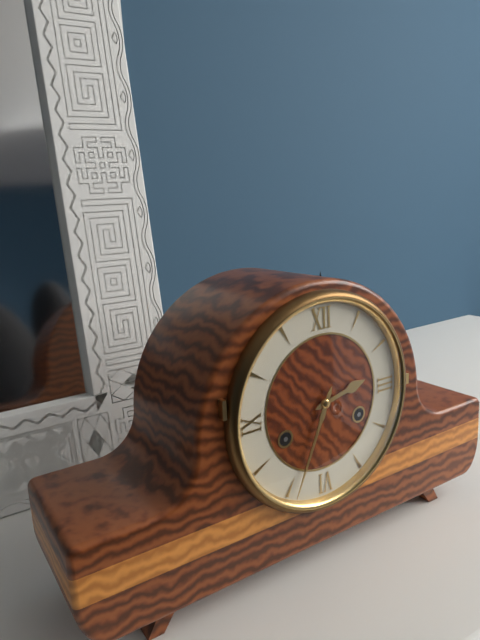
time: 2:34
